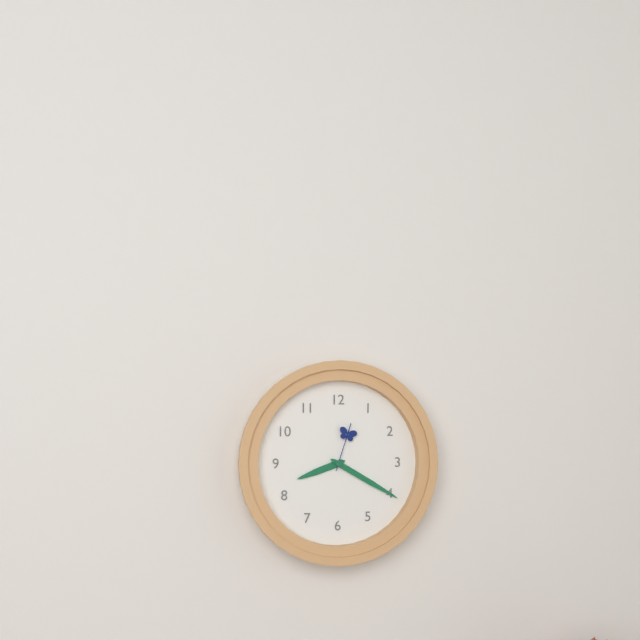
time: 8:20:03
